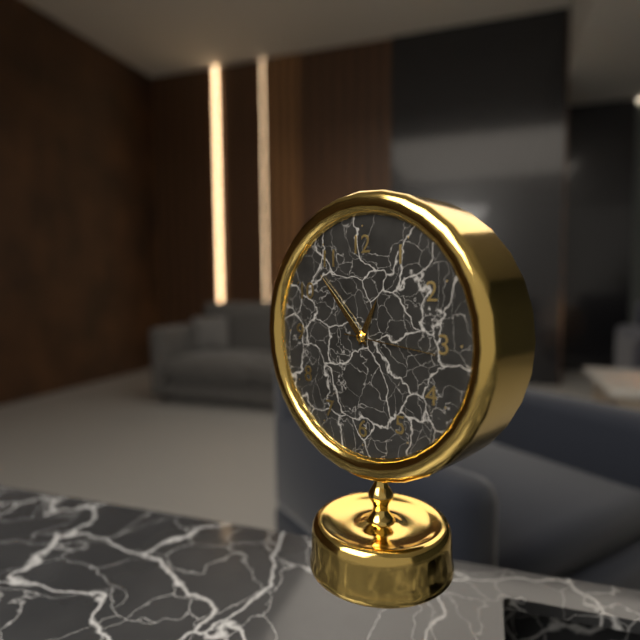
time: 12:53:16
